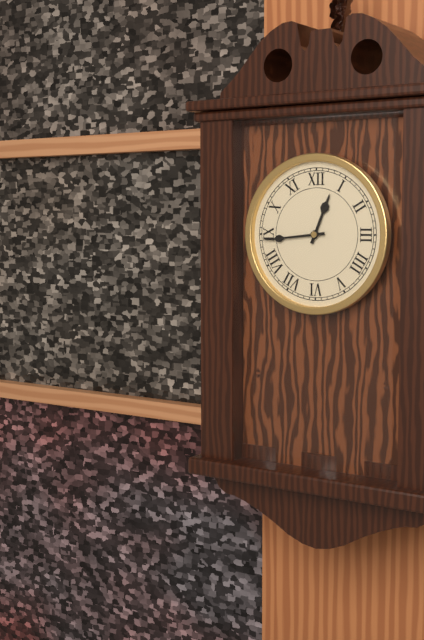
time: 12:44
